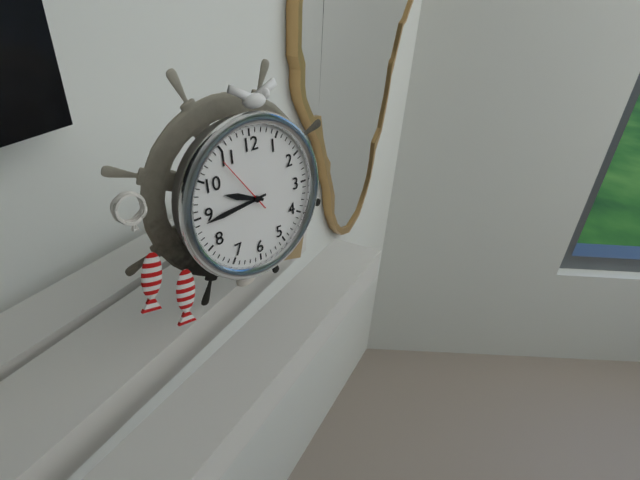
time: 9:44:54
